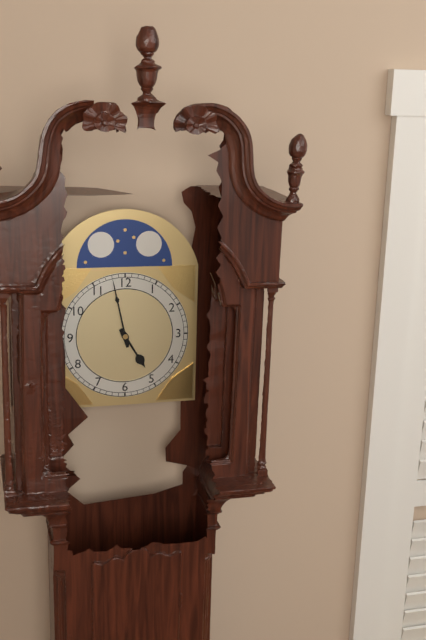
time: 4:58
